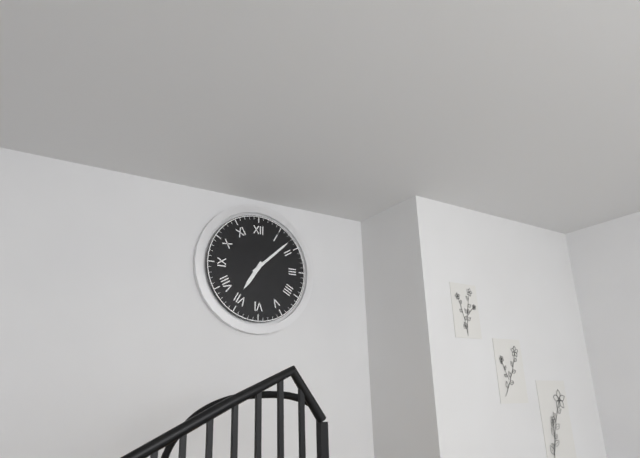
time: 7:08
